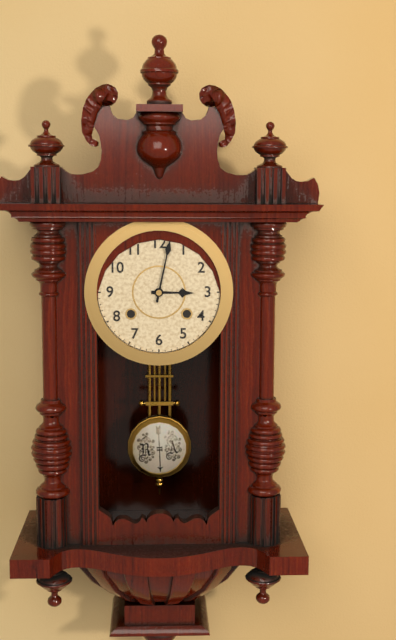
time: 3:02
